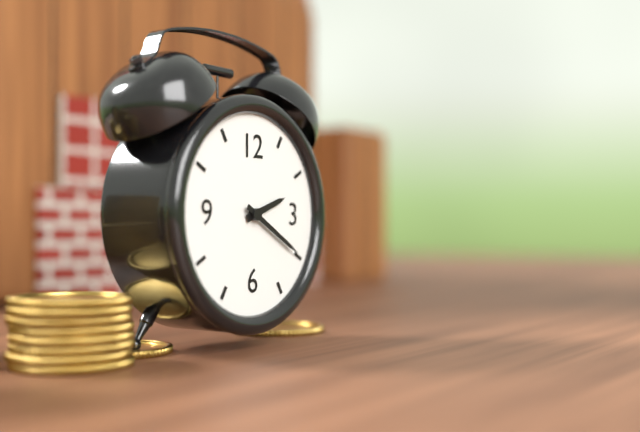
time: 2:20
